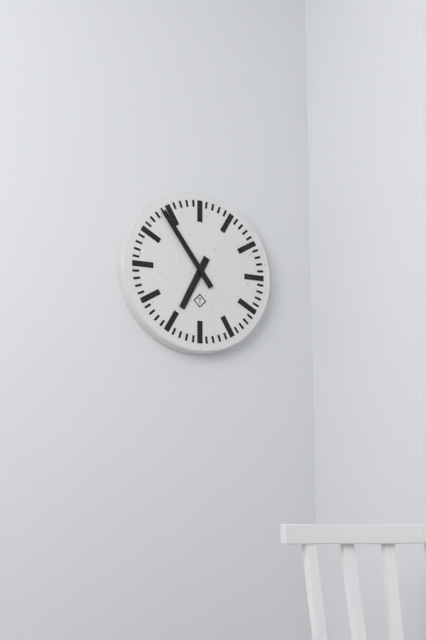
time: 6:54
